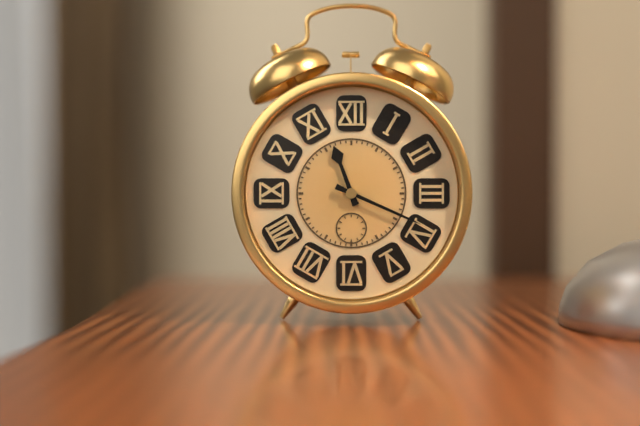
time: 11:19
